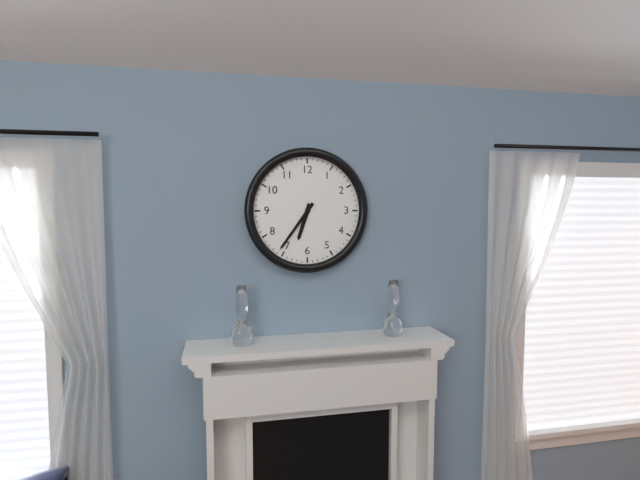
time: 6:36
